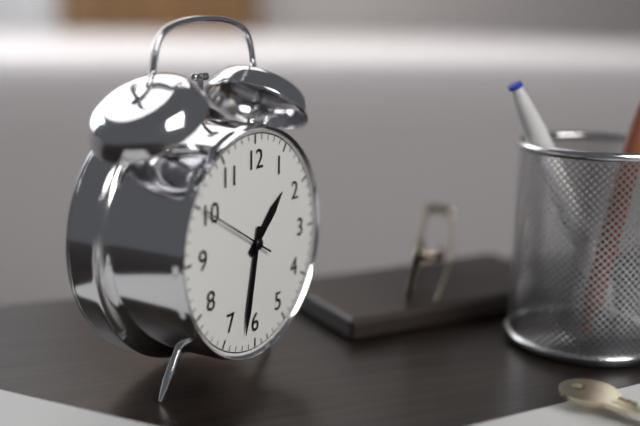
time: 1:32:50
